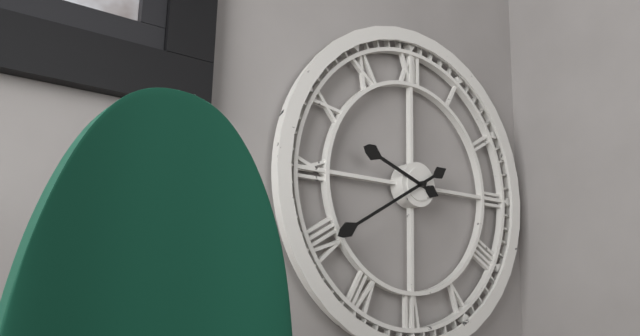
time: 9:40
